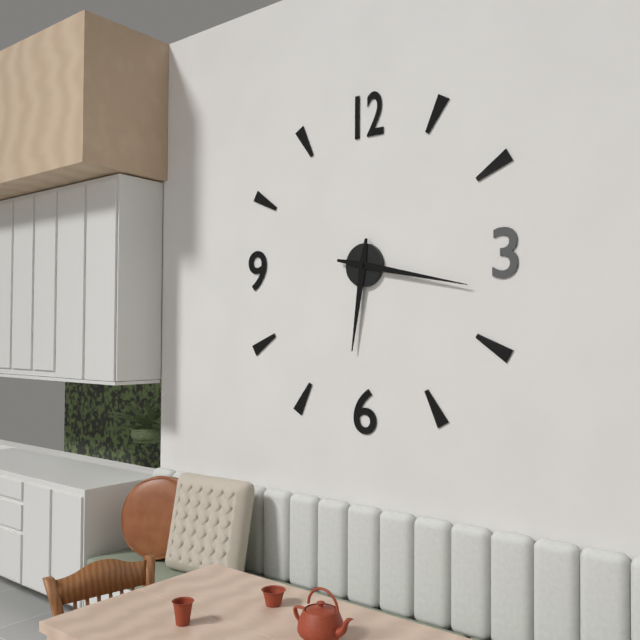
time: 6:17
